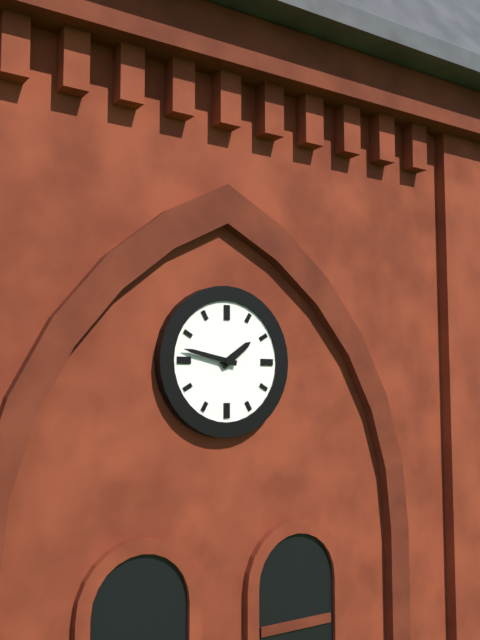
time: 1:47
